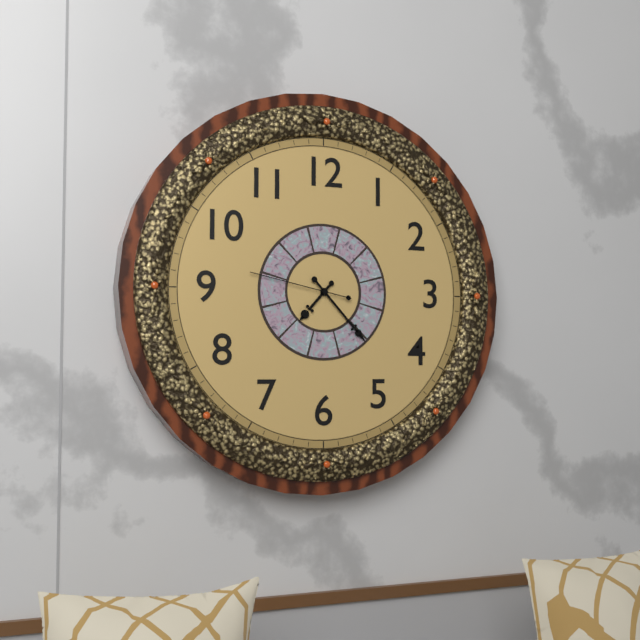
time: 7:23:47
